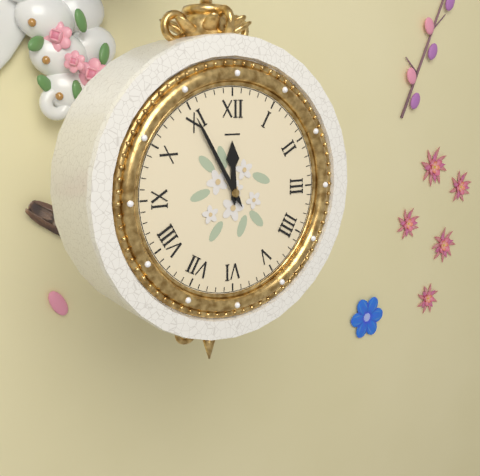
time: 11:55
